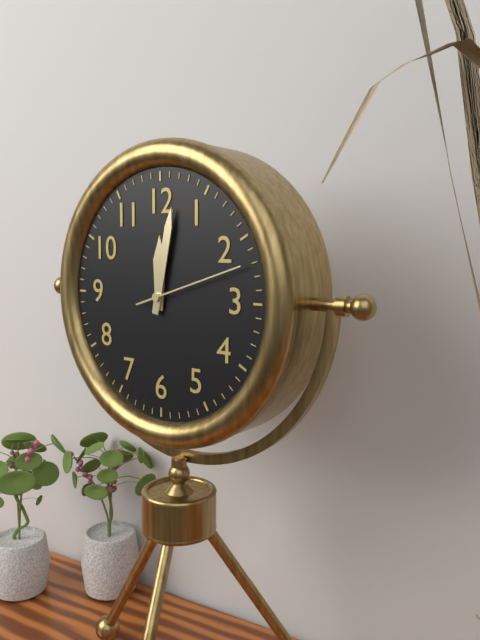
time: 12:02:12
